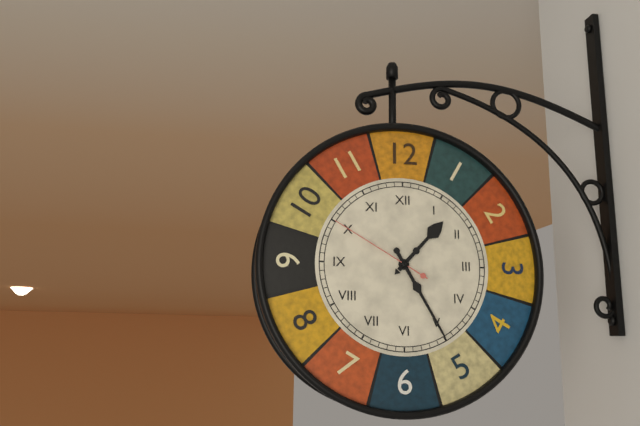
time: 1:25:50
